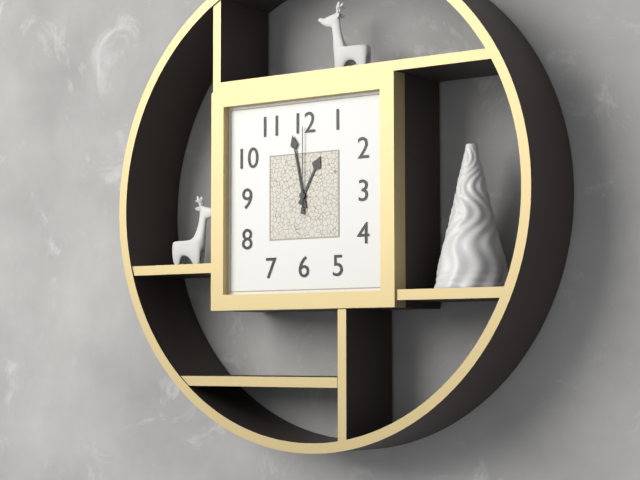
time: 12:58:00
